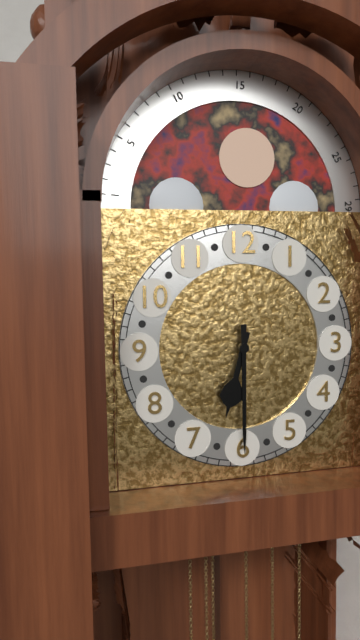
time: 6:30
